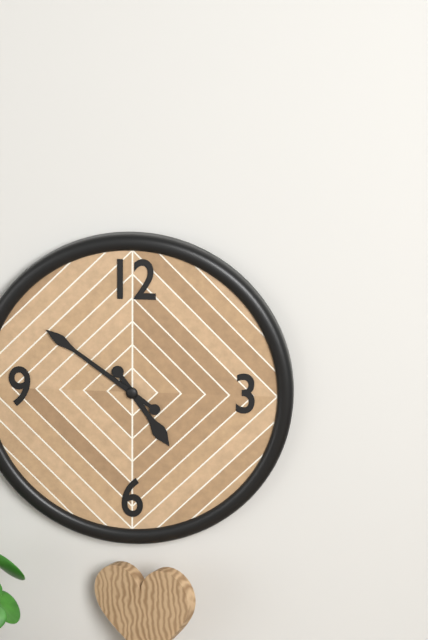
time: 4:51
